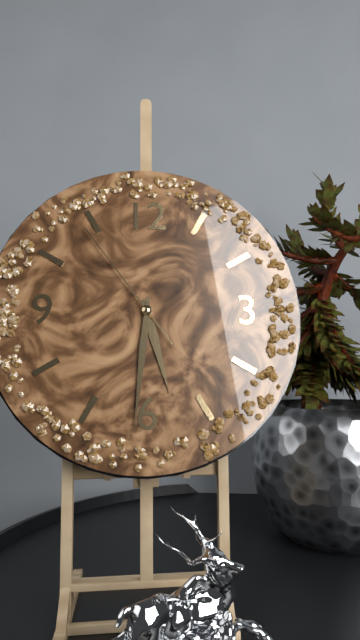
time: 5:31:54
